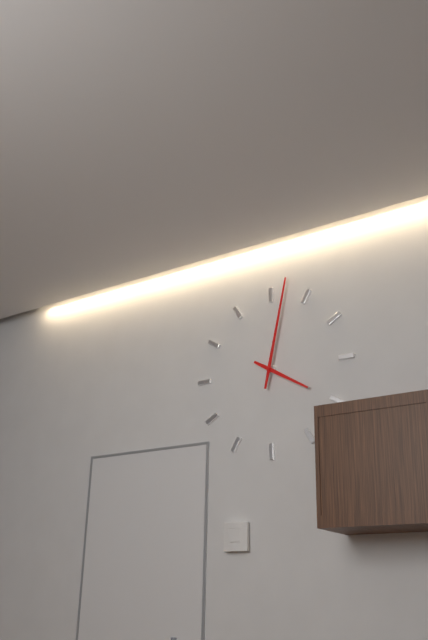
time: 4:02
